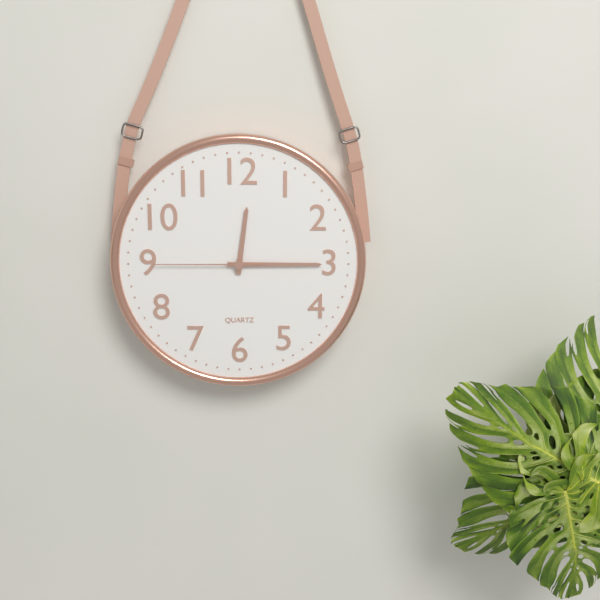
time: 12:15:45
